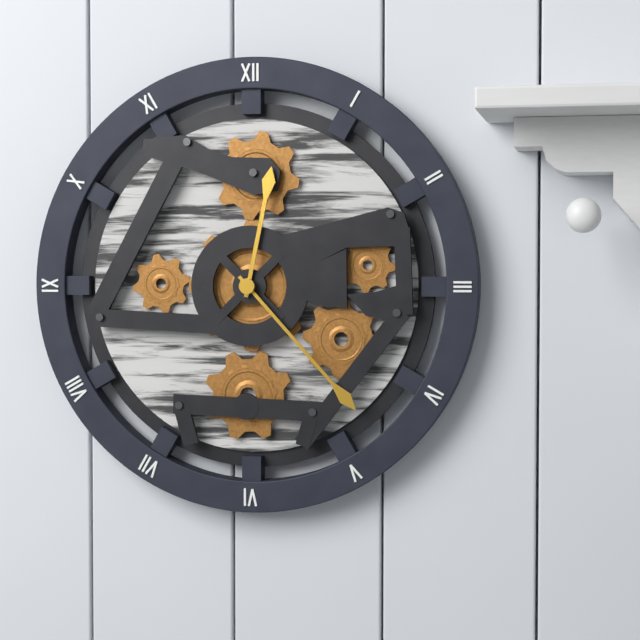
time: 12:23
